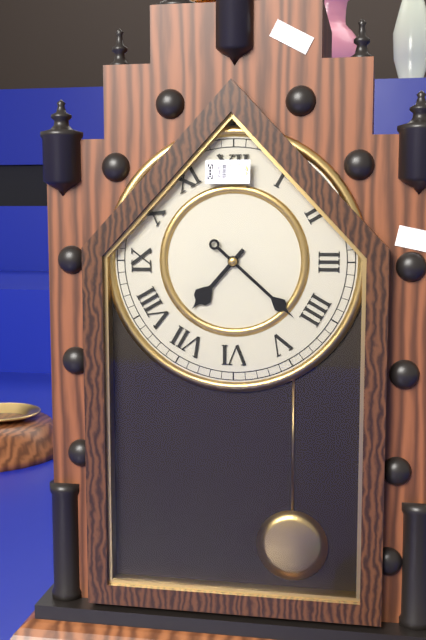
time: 7:22
